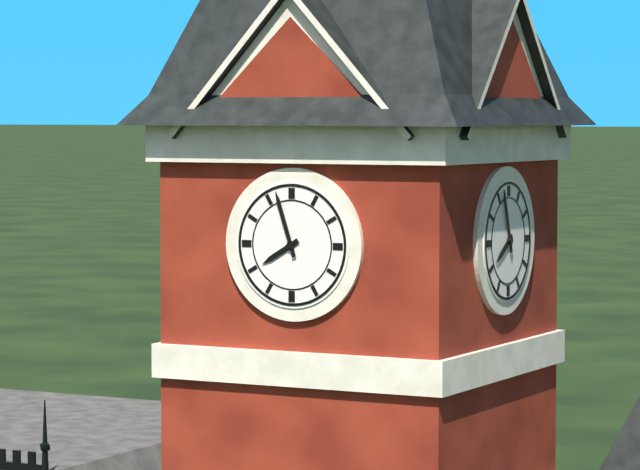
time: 7:57
